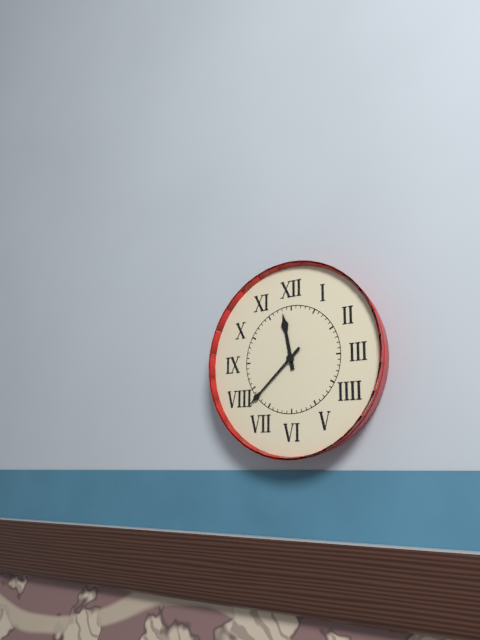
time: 11:38
